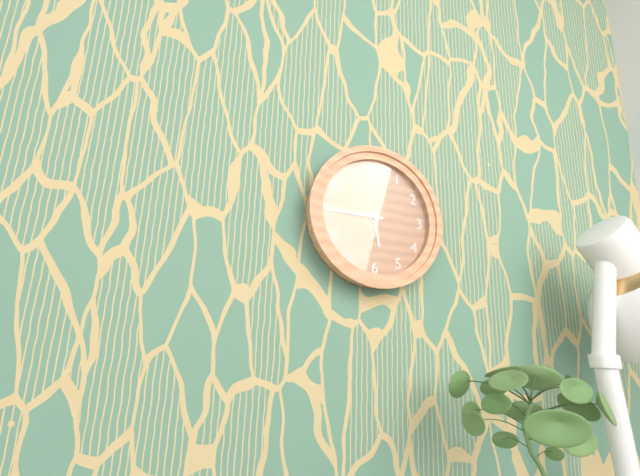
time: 5:45
